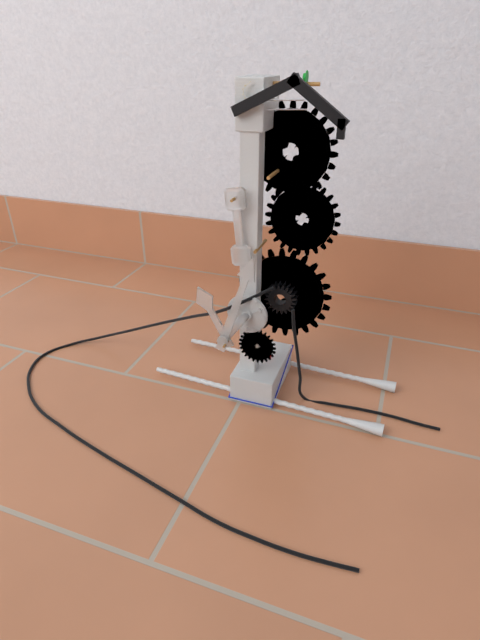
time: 11:03
